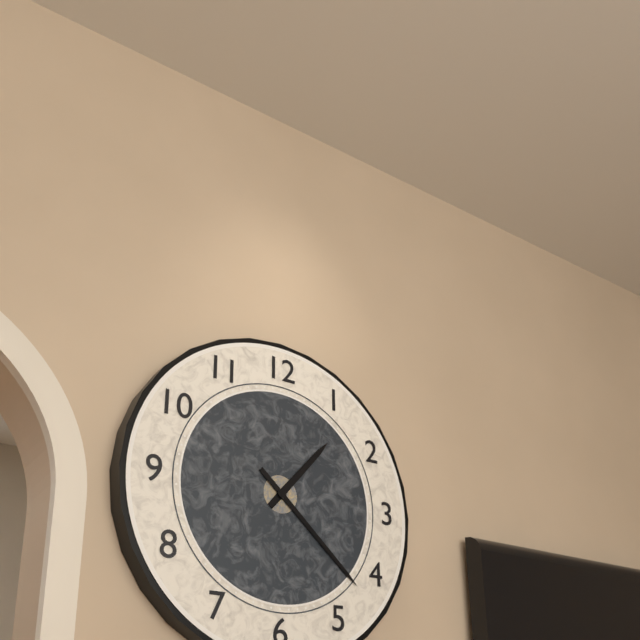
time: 1:22
